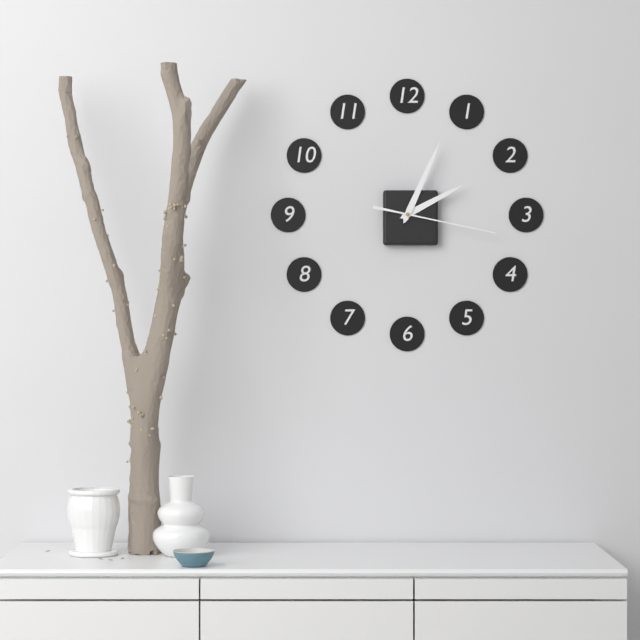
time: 2:04:17
